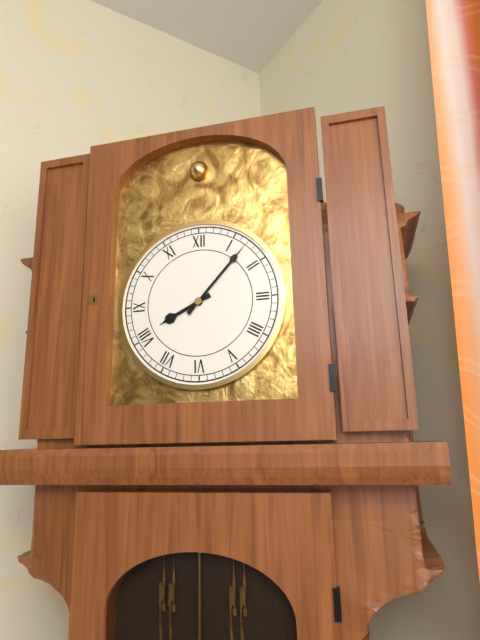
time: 8:07
